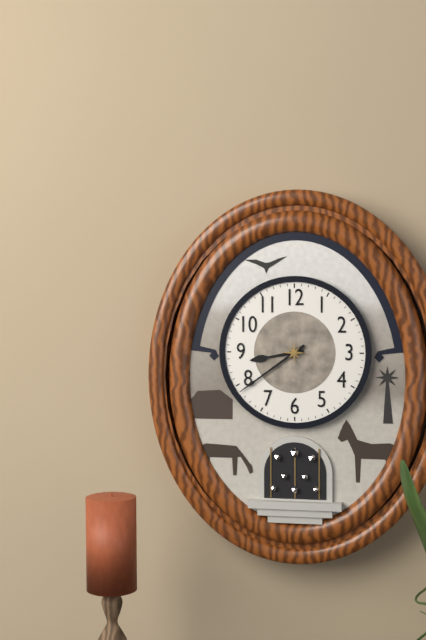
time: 8:39
